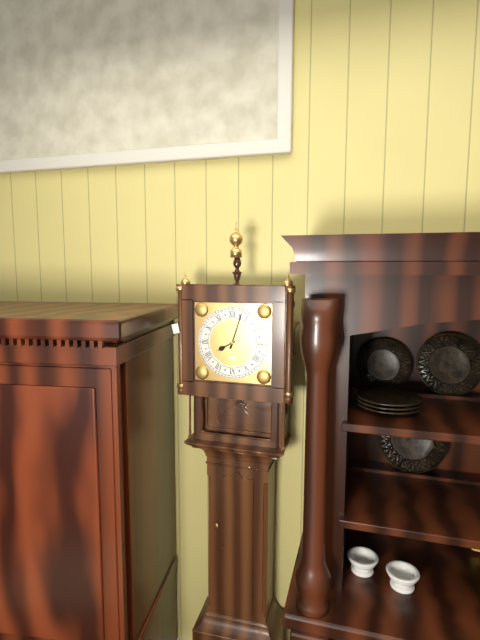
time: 8:03
